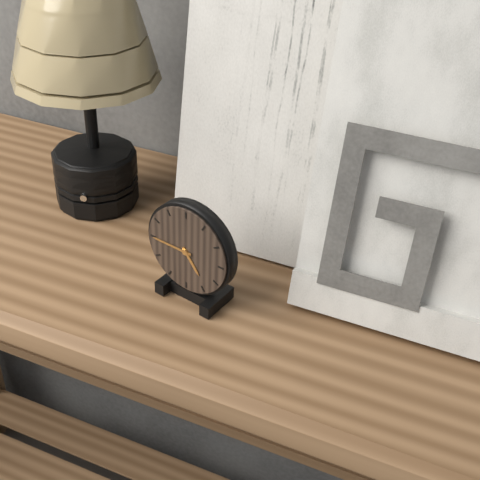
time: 4:45
